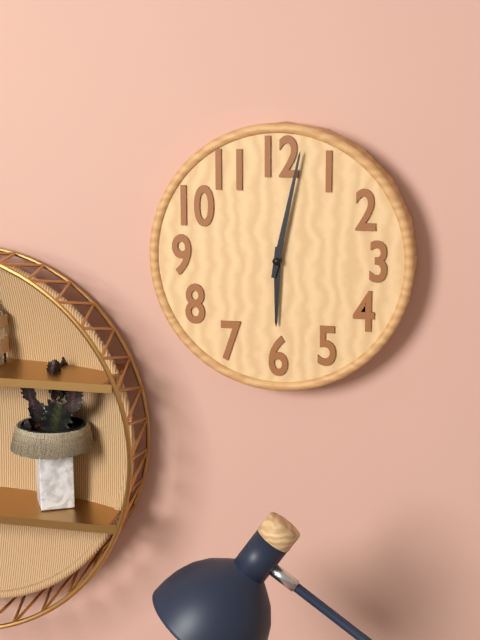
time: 6:02
